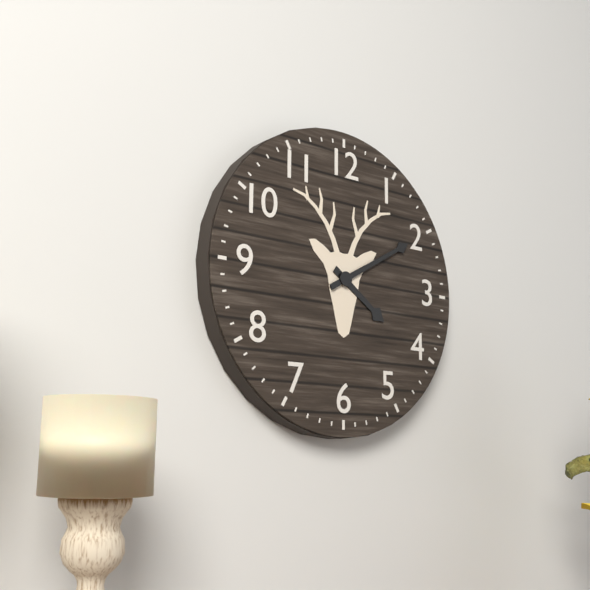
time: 4:10
